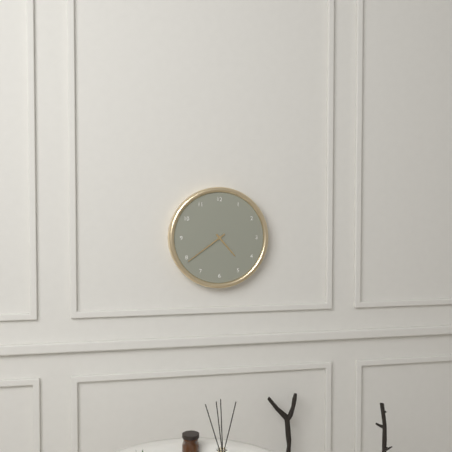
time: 4:39
